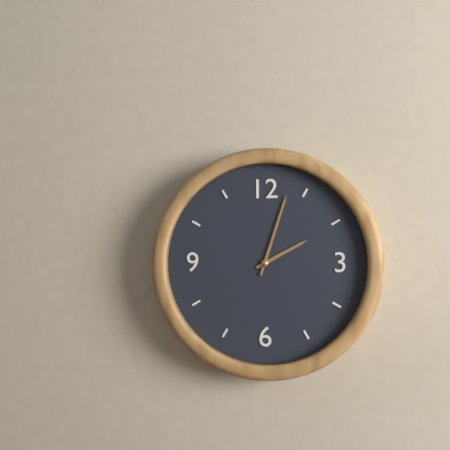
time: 2:03
